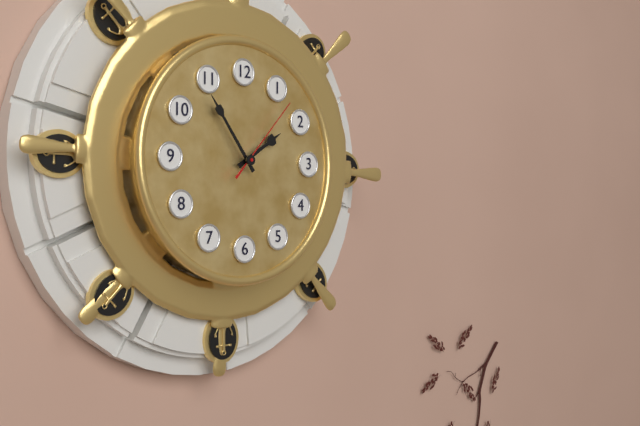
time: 1:54:07
